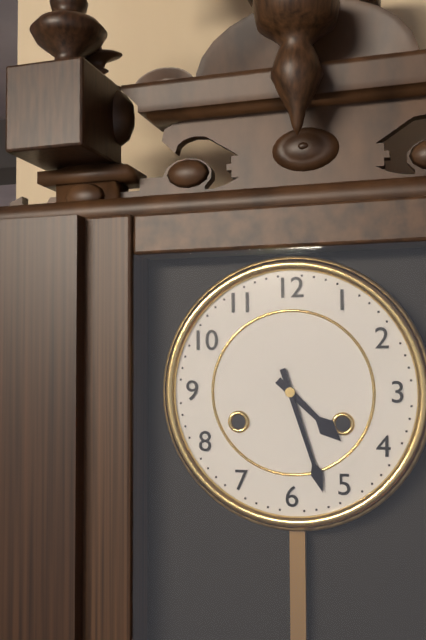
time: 4:27
